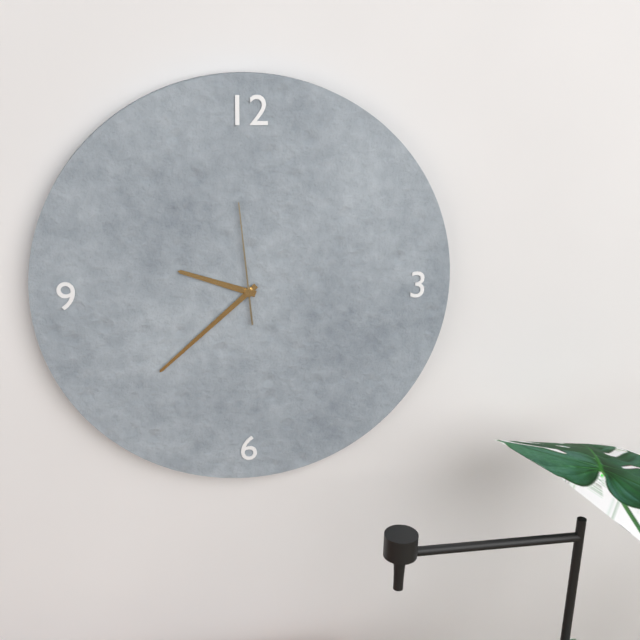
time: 9:38:59
